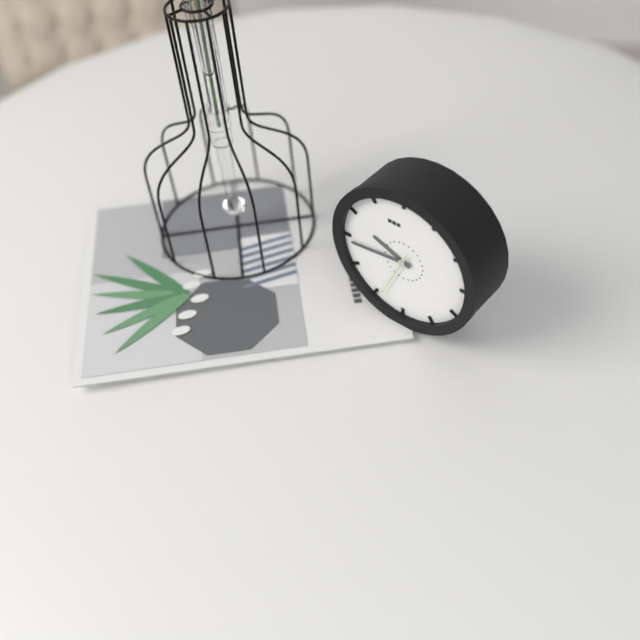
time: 9:44
